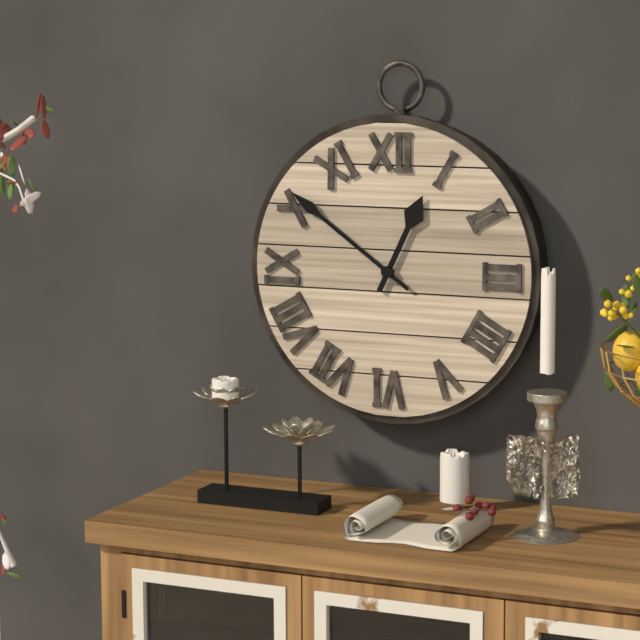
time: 12:51
